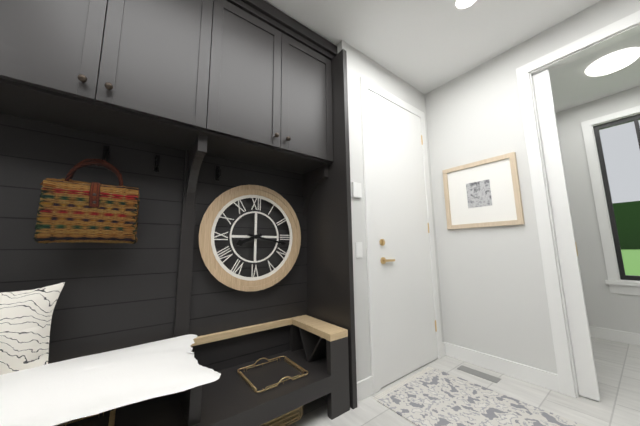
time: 8:17
